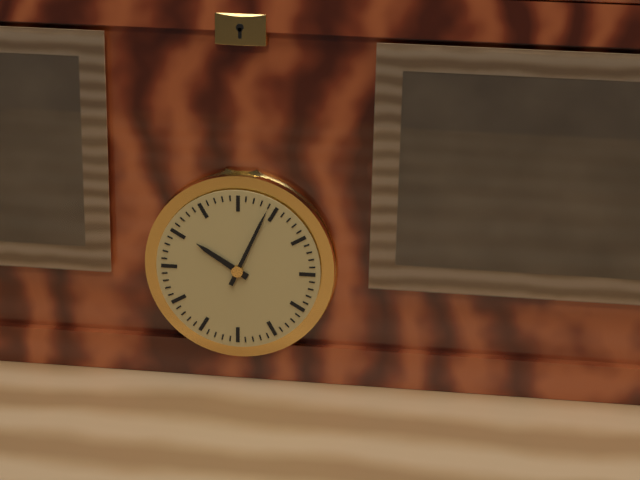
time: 10:04
